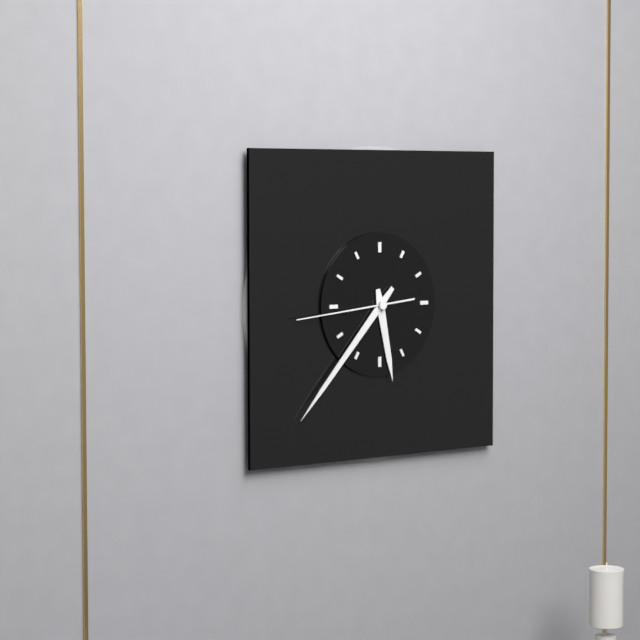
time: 5:37:44
